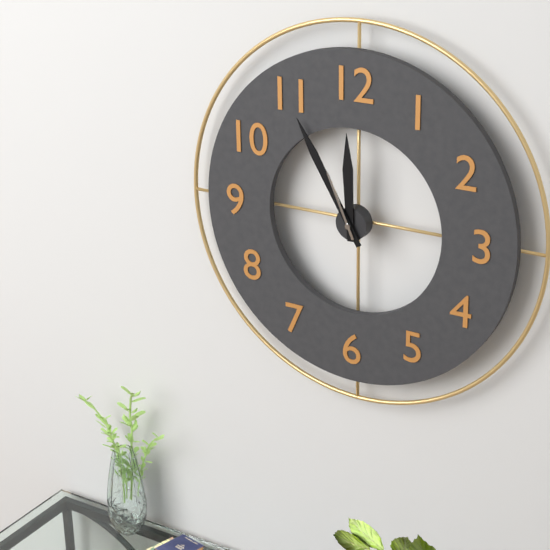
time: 11:55:56
